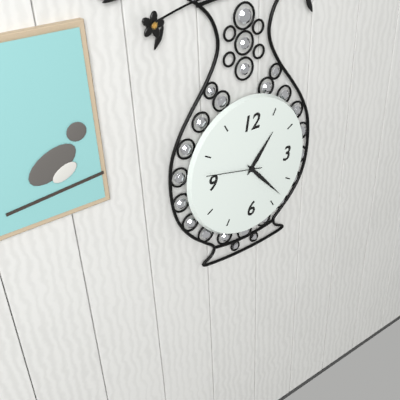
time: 1:23:47
